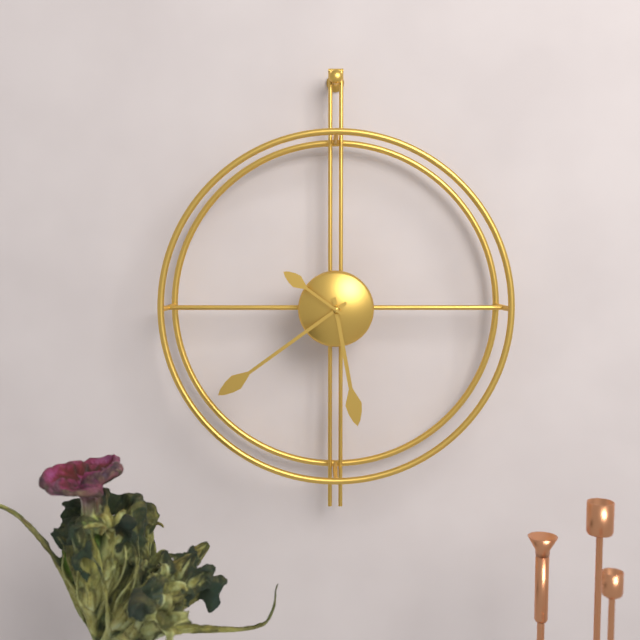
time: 5:39:51
